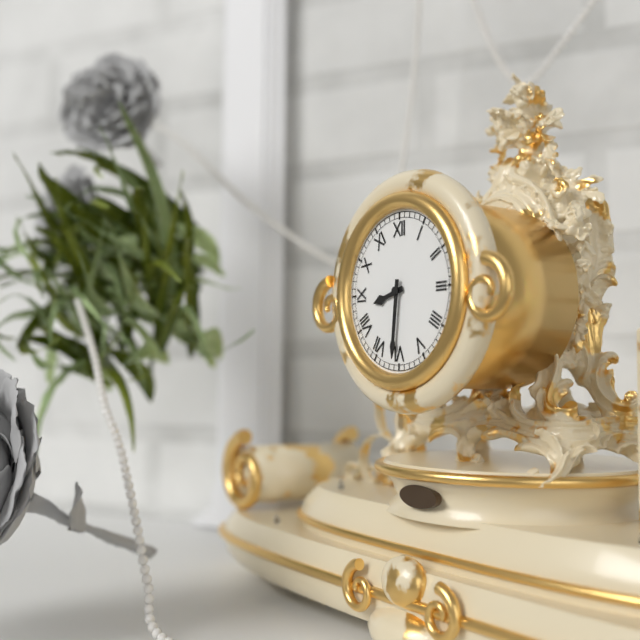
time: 8:31
